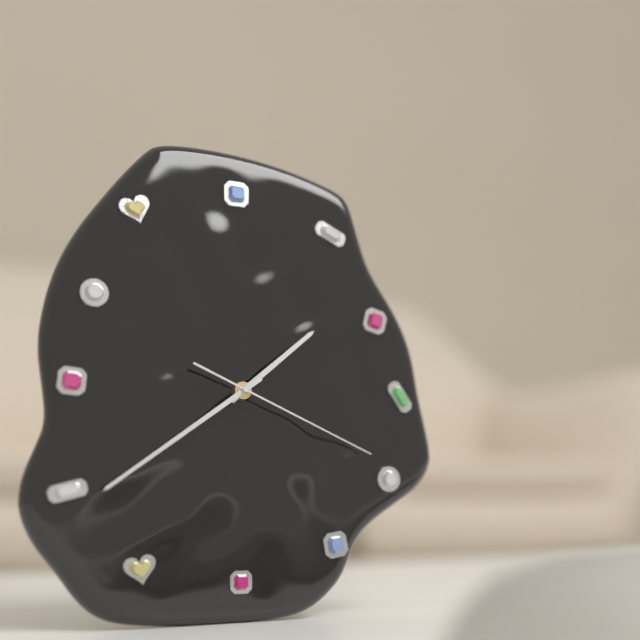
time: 1:39:19
